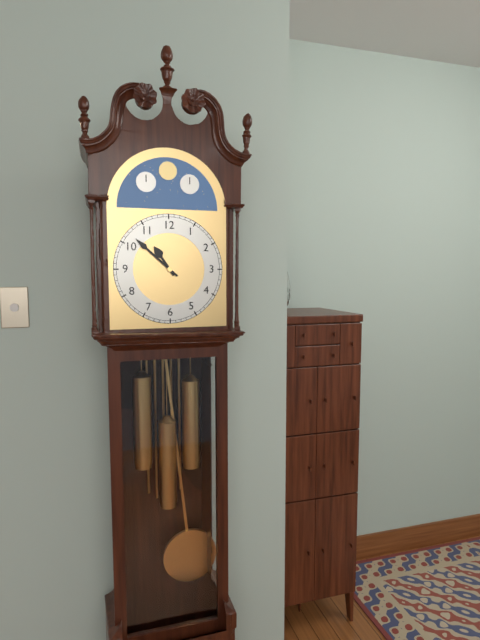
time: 10:52
